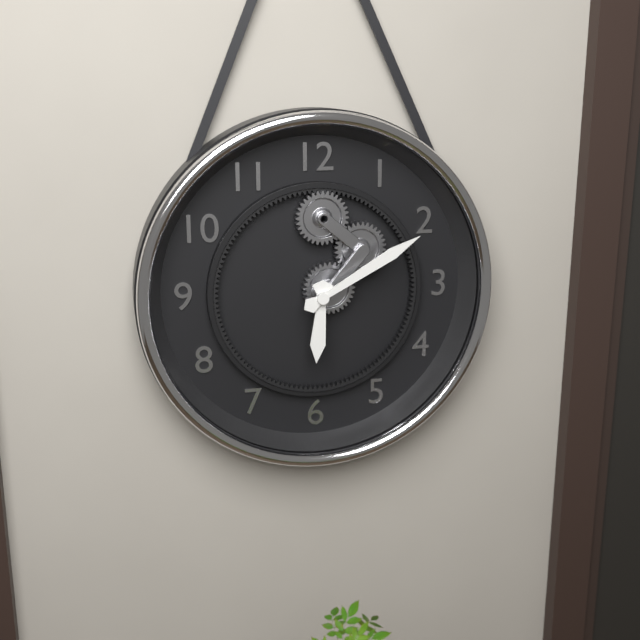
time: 6:10
